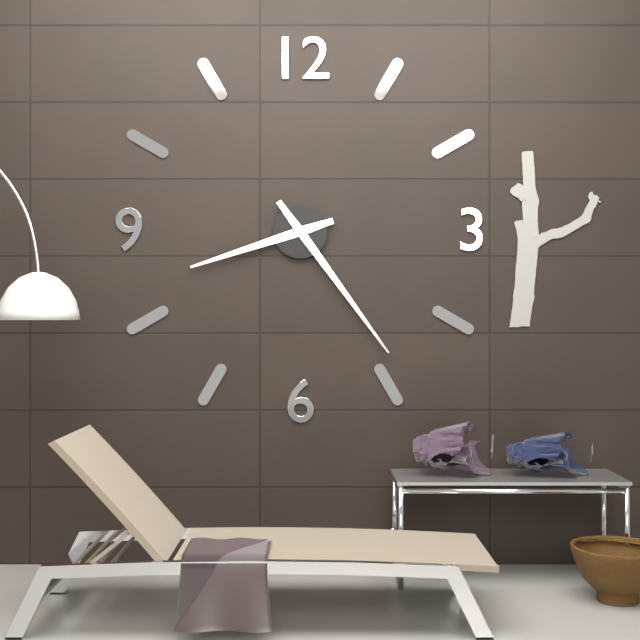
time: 8:24
